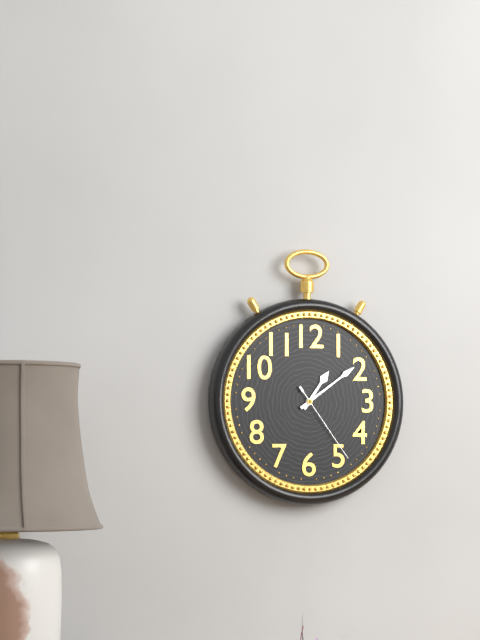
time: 1:09:24
